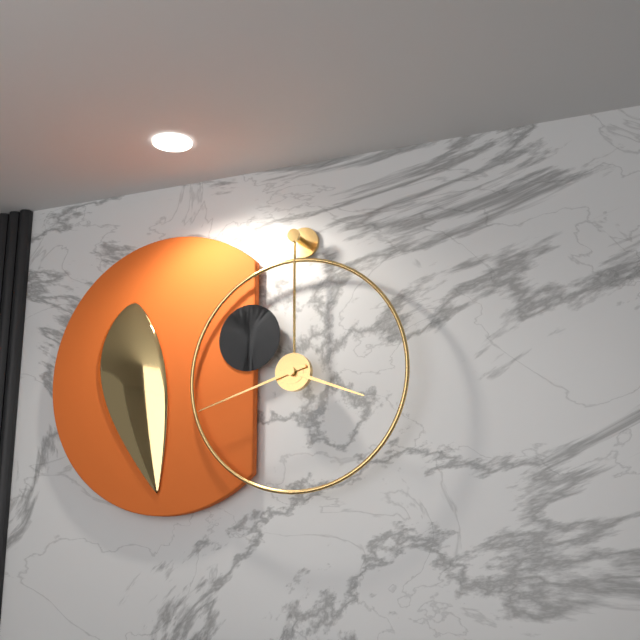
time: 3:42
